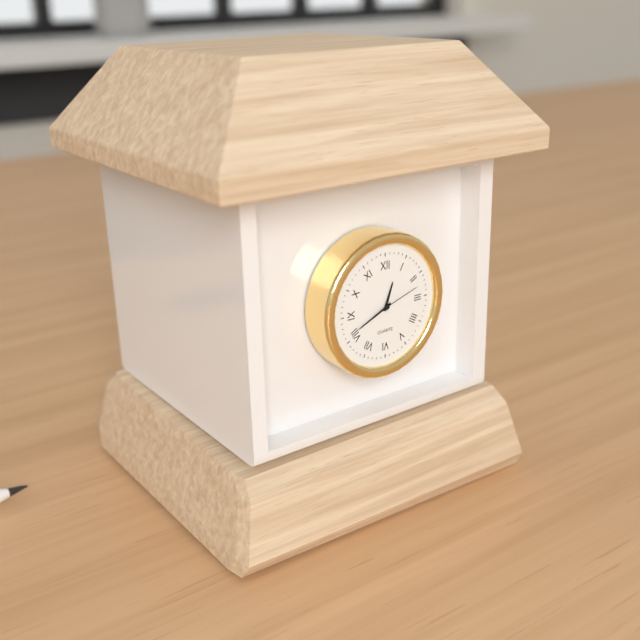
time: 12:41
